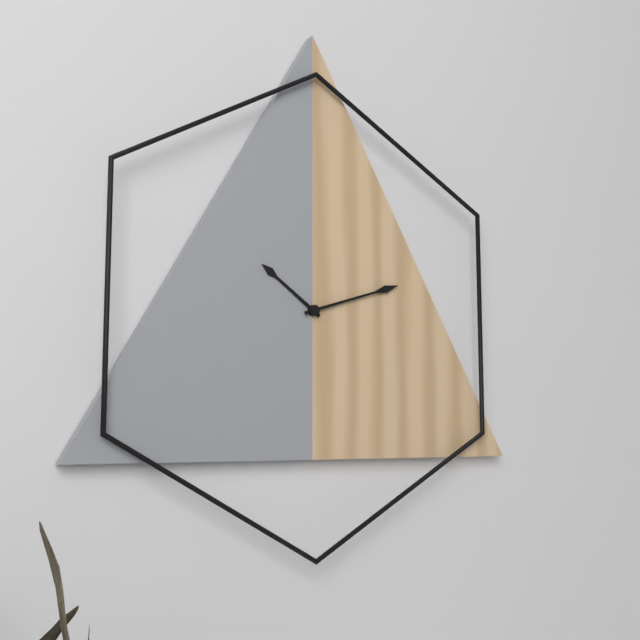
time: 10:12
